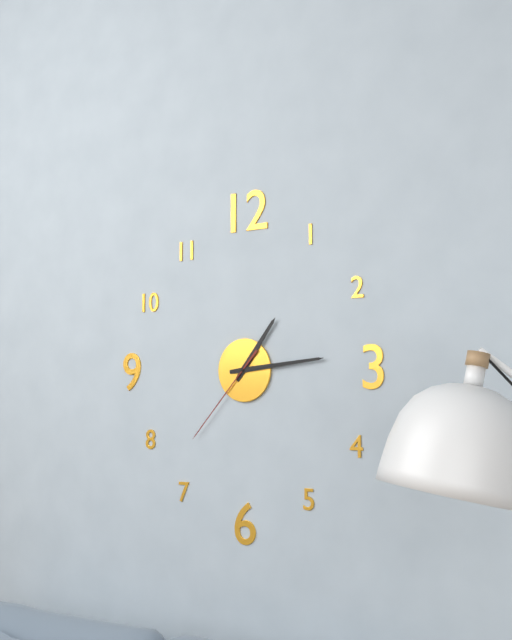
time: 1:14:37
